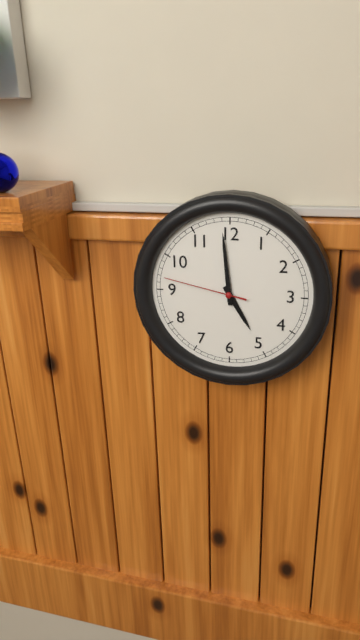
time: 4:59:47
